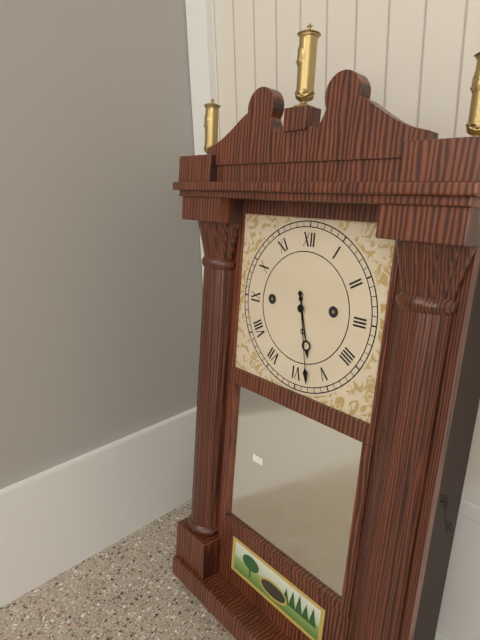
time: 5:28
